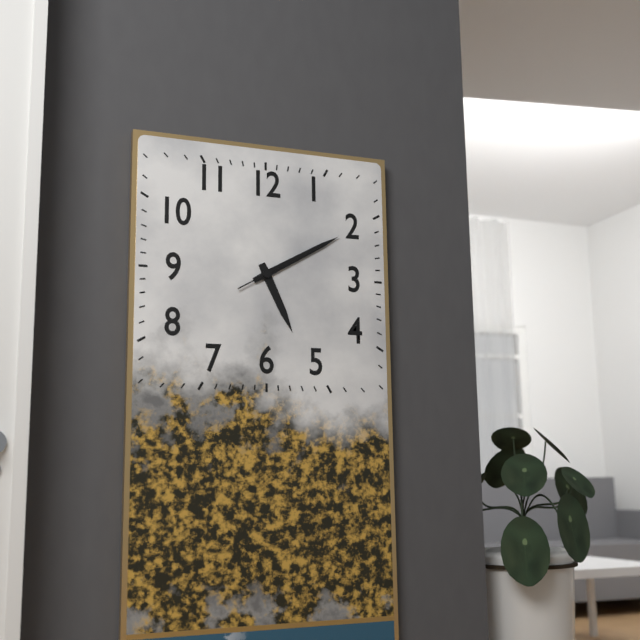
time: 5:10:10
